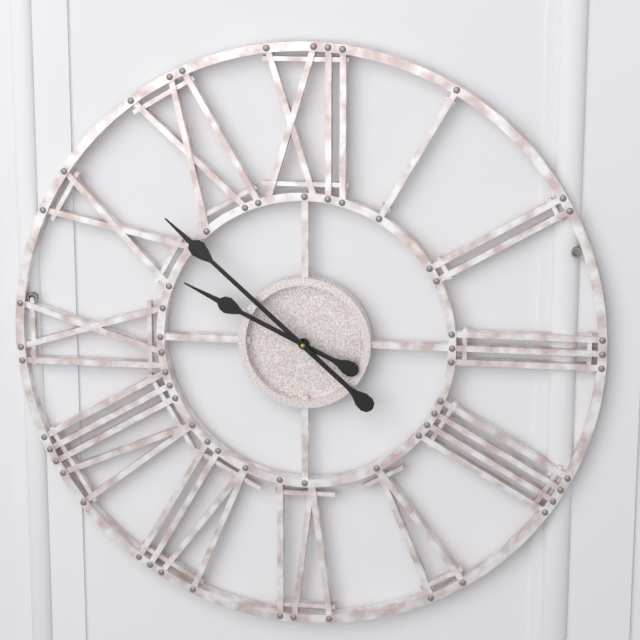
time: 9:52
